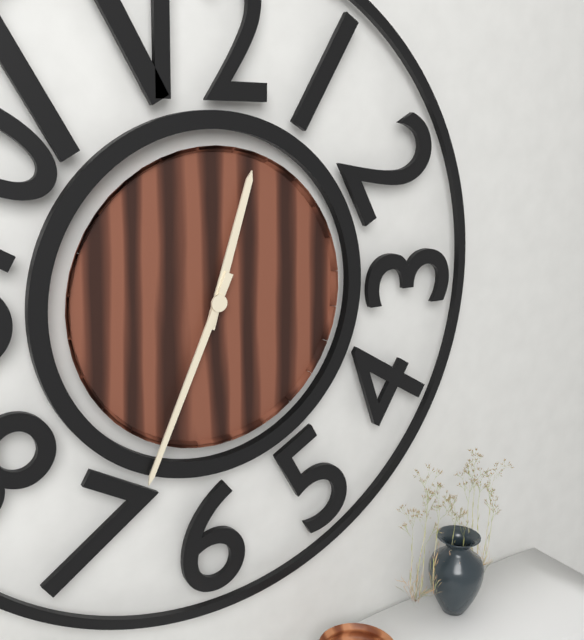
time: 12:34
